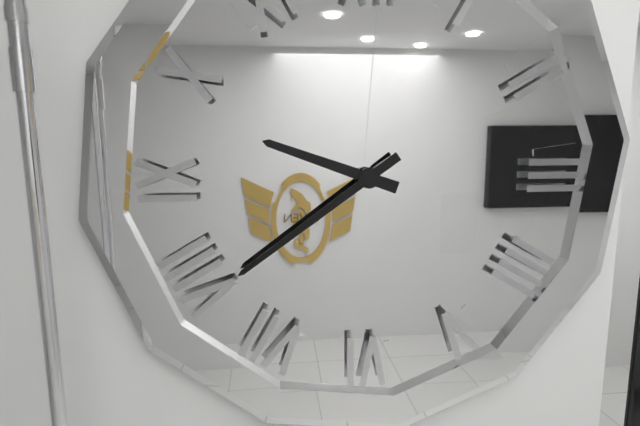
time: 9:39
